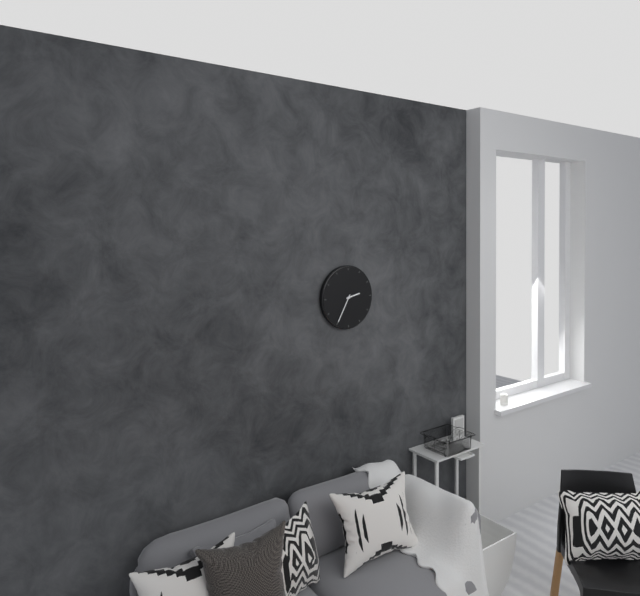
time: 2:35
